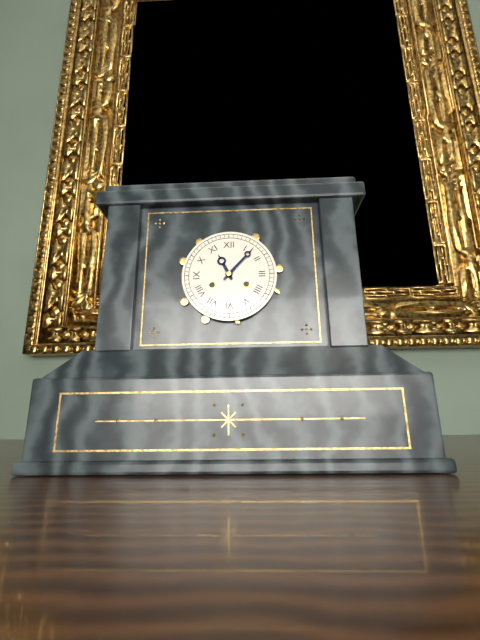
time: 11:07
